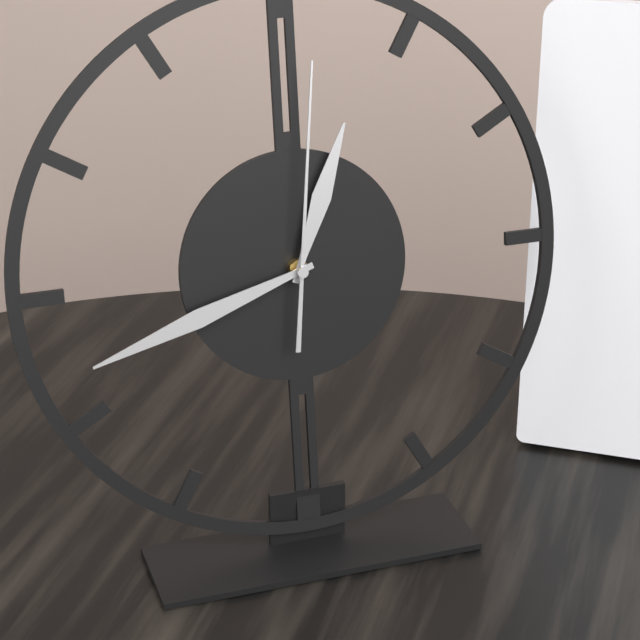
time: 12:42:01
